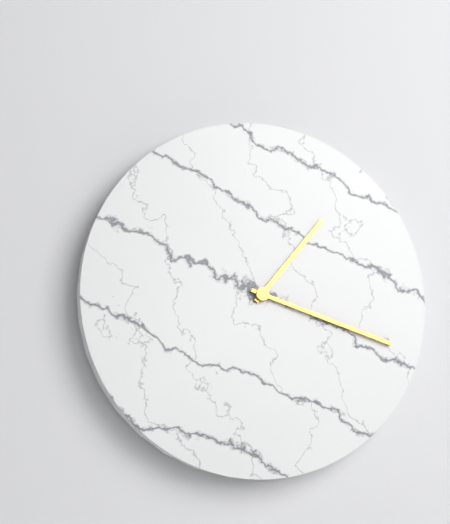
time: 1:18
